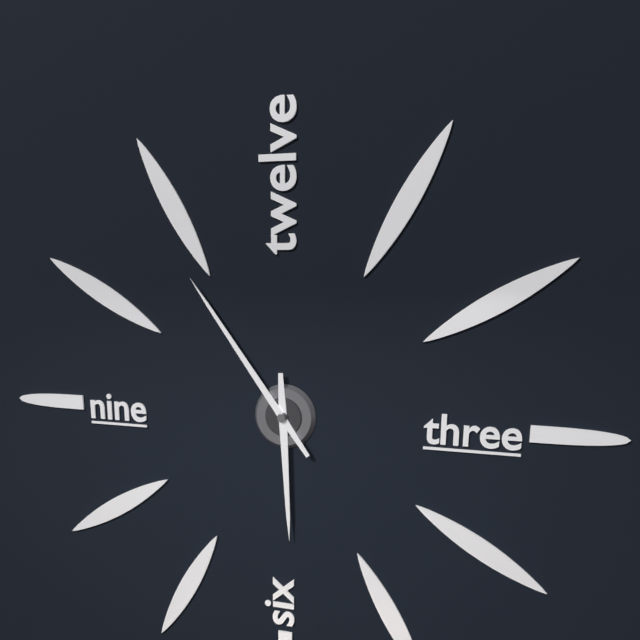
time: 5:54
